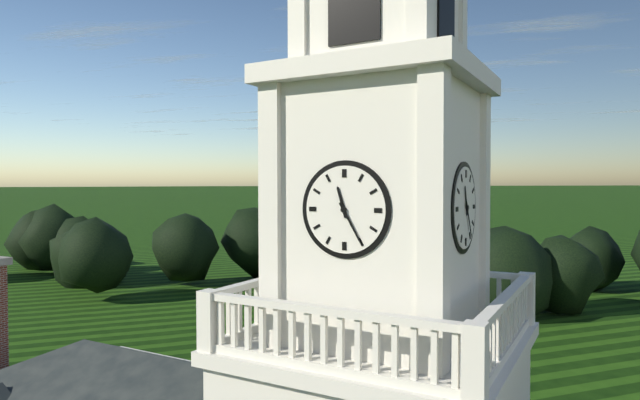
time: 11:25
